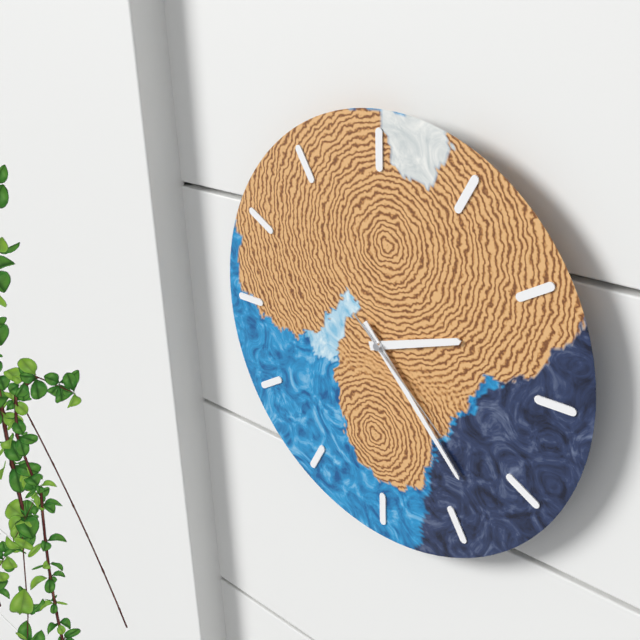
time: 2:23:22
